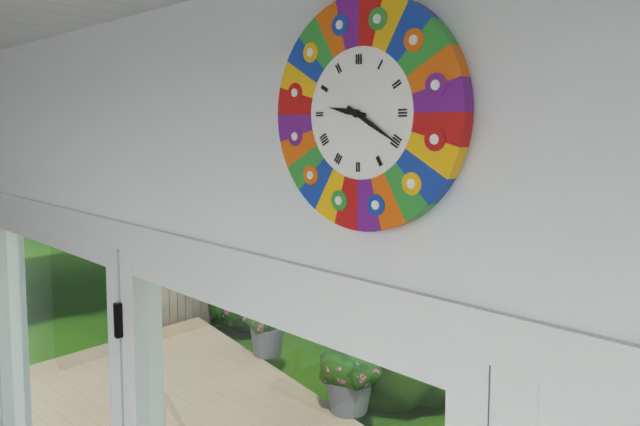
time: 9:20
